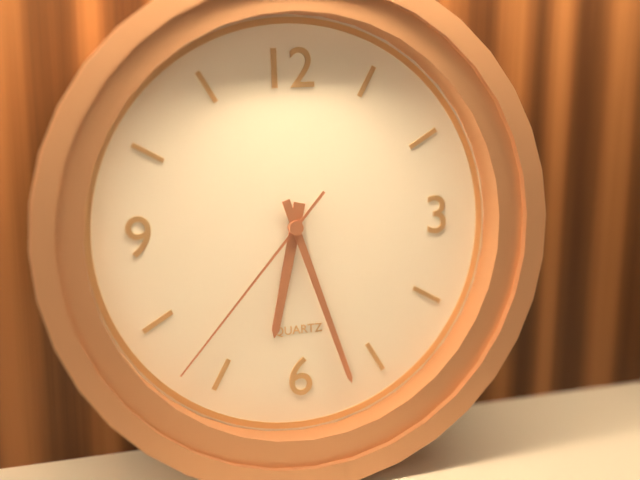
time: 6:27:37
